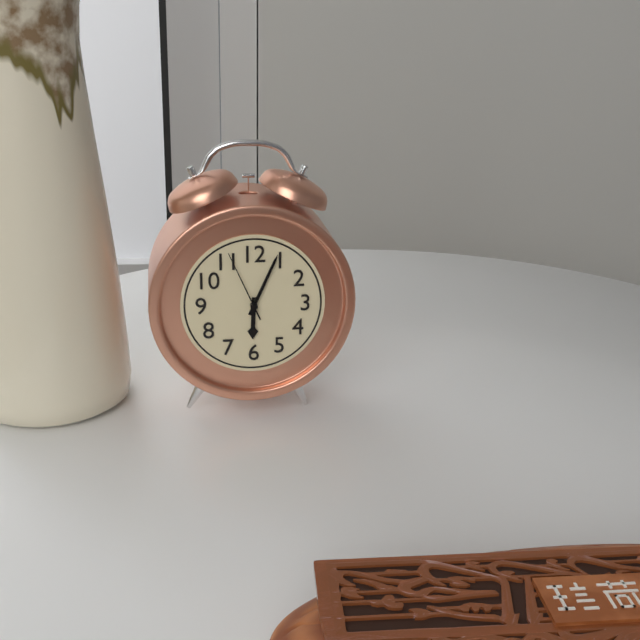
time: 6:04:56
